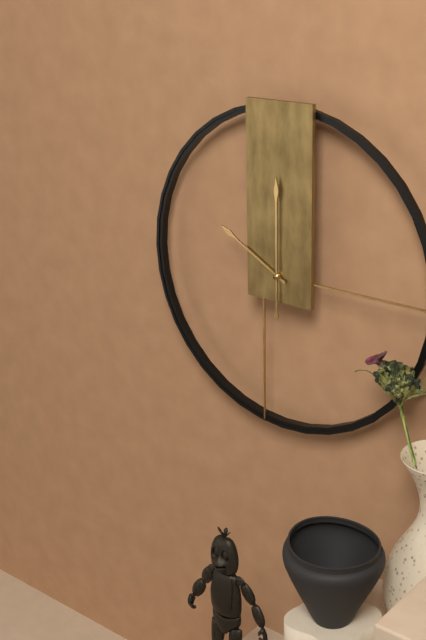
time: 10:00
